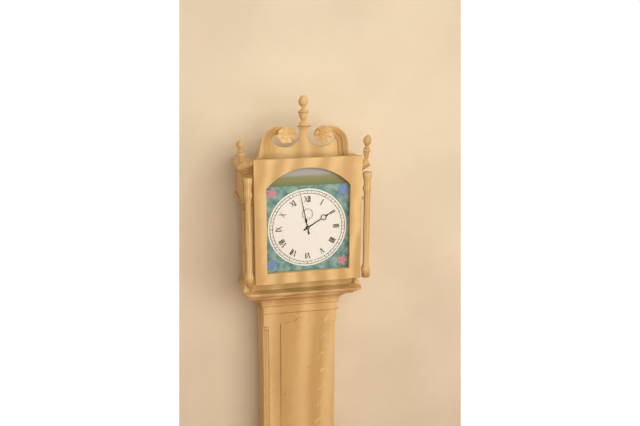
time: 1:58
